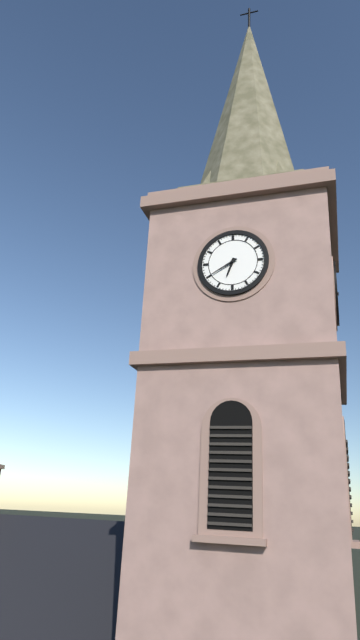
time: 6:40
